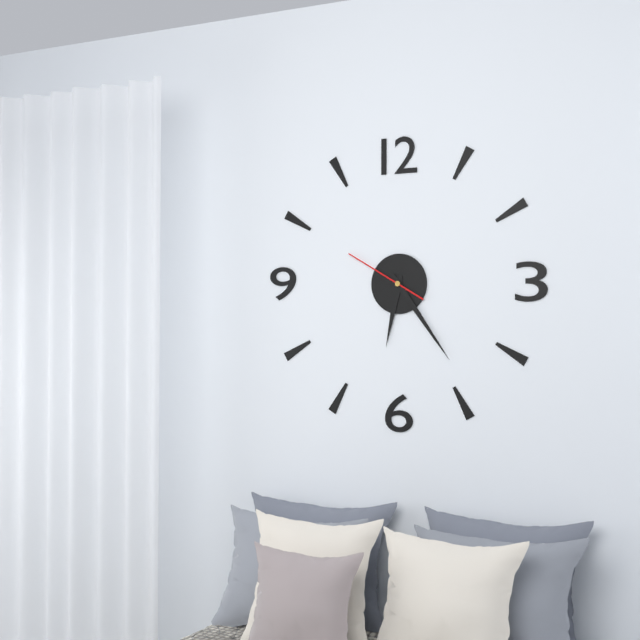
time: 6:24:50
